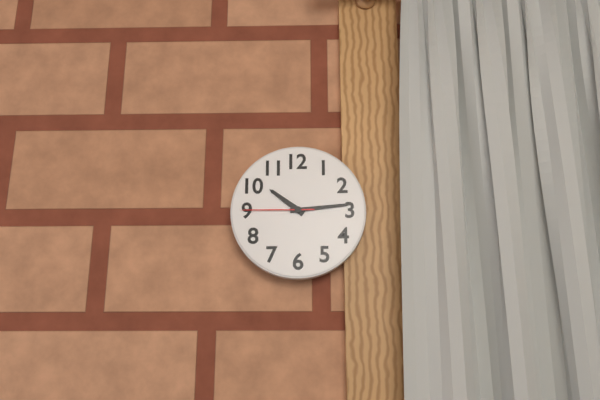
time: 10:14:45
